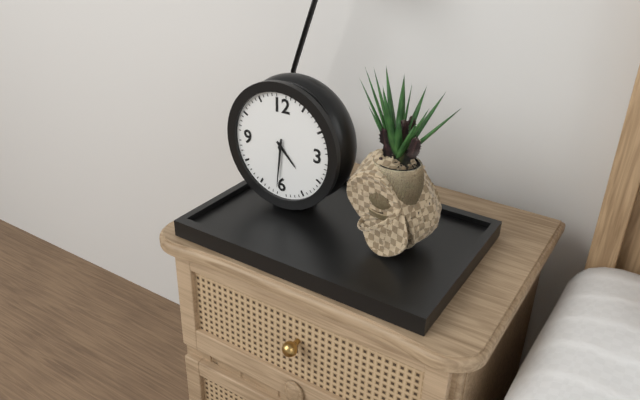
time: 4:31
